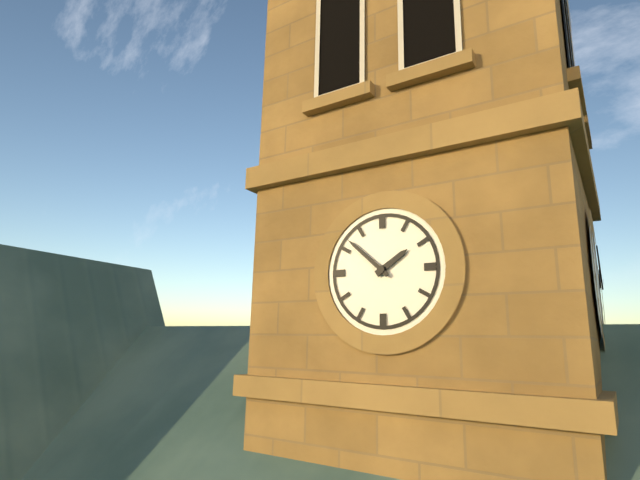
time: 1:52
